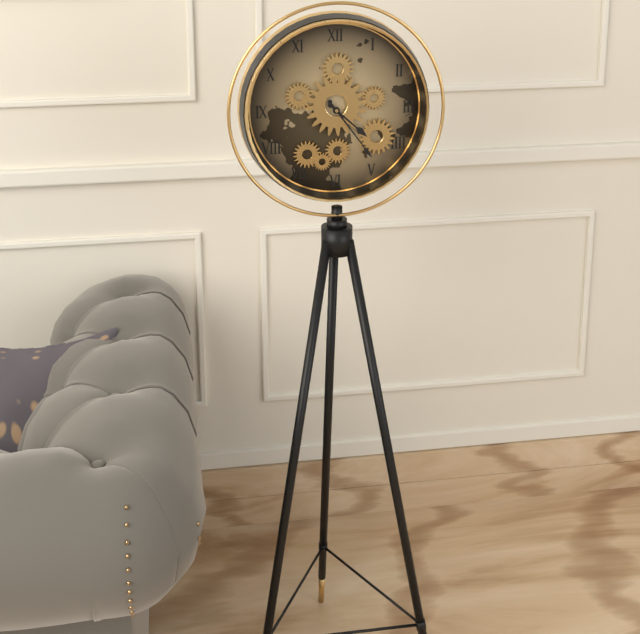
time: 4:24
